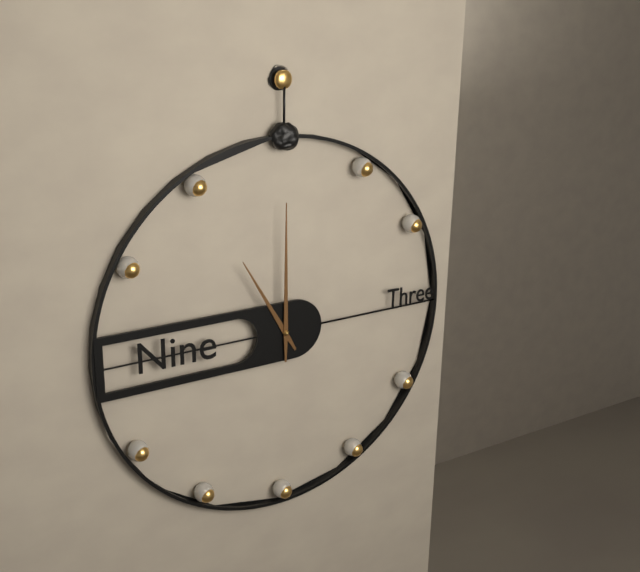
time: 11:00
